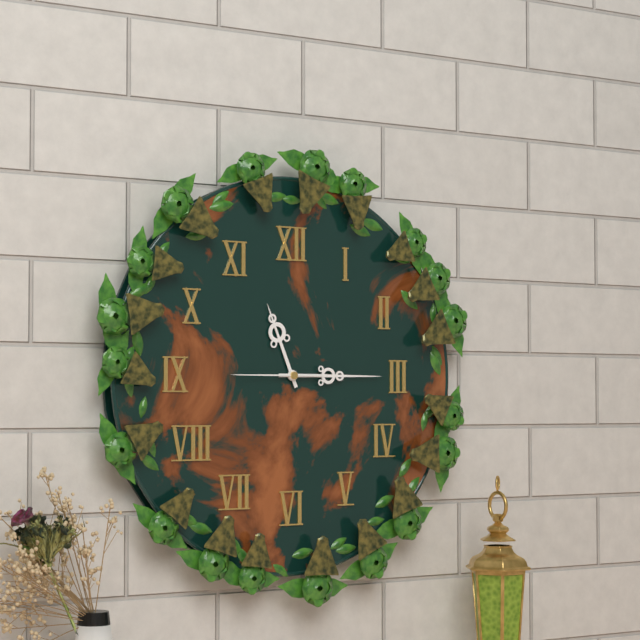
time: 11:15:45
